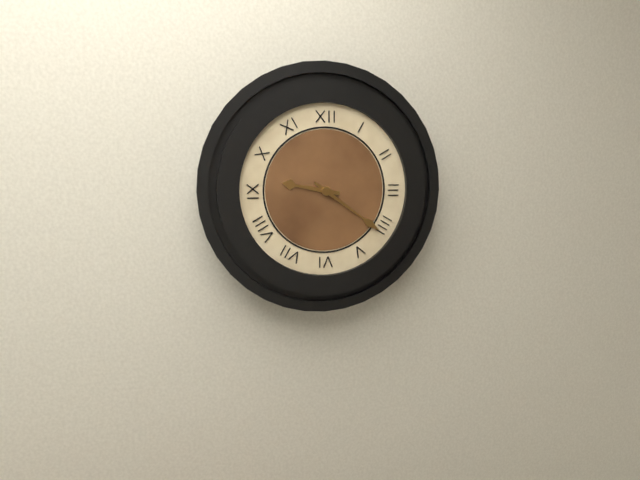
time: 9:21
